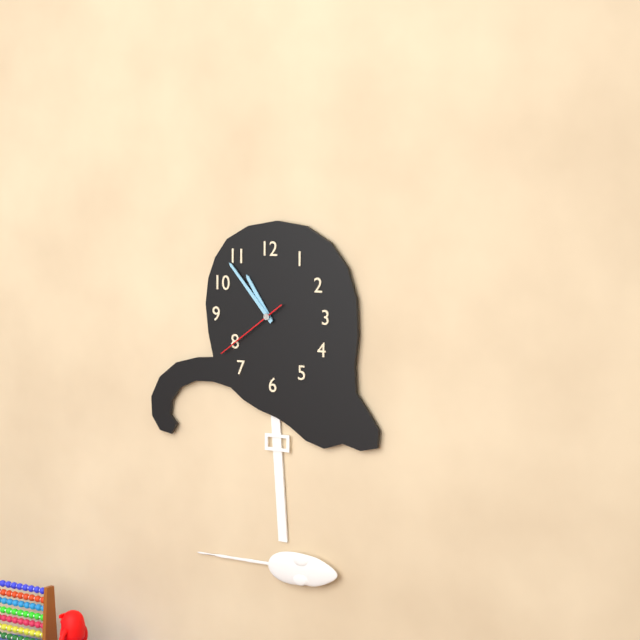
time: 10:53:39
